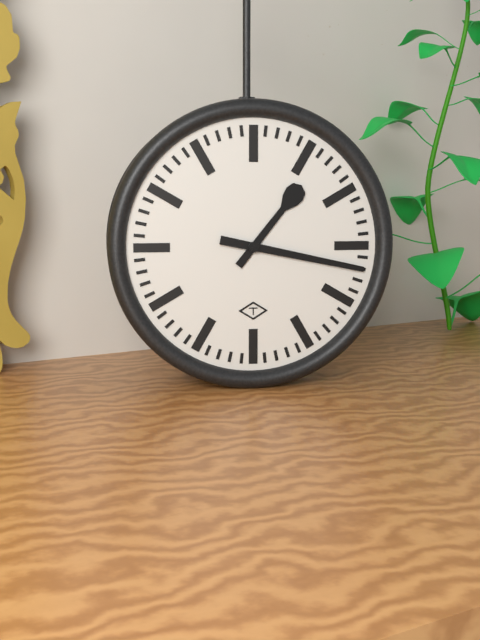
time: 1:17
